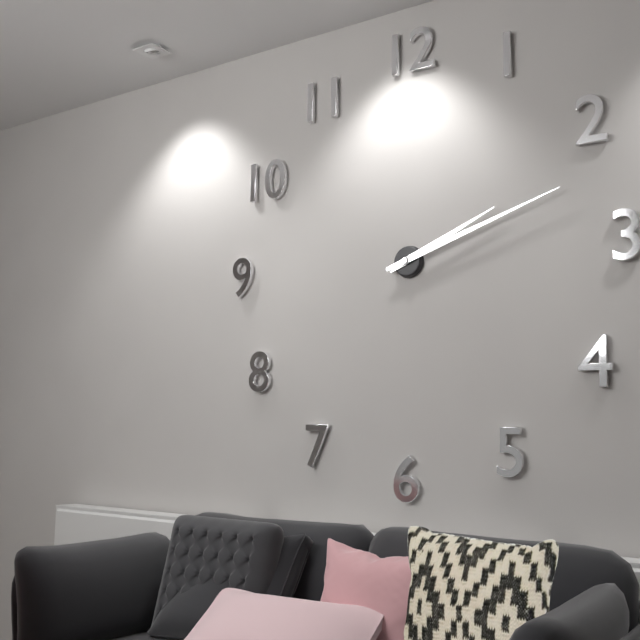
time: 2:12
